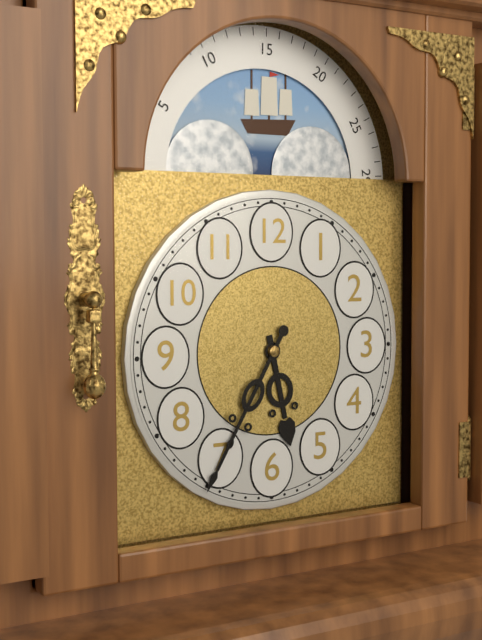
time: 5:35
